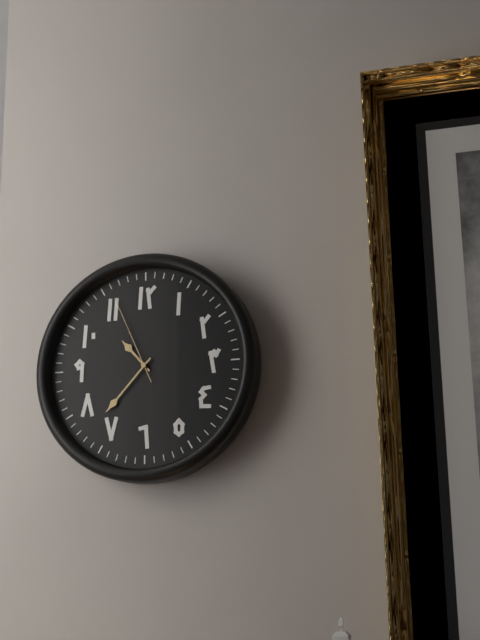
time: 10:37:56
